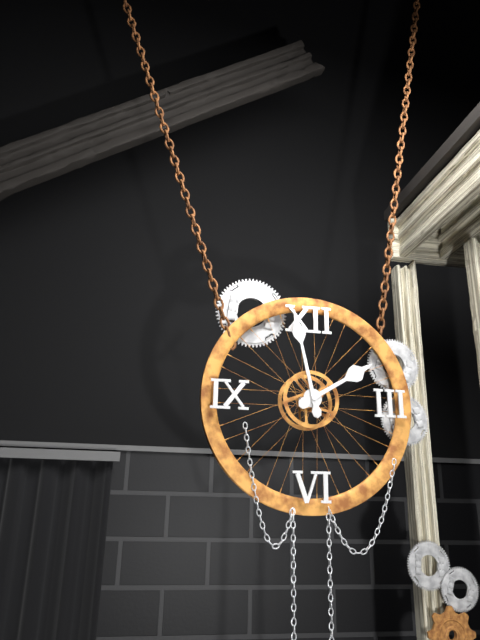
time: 1:58
